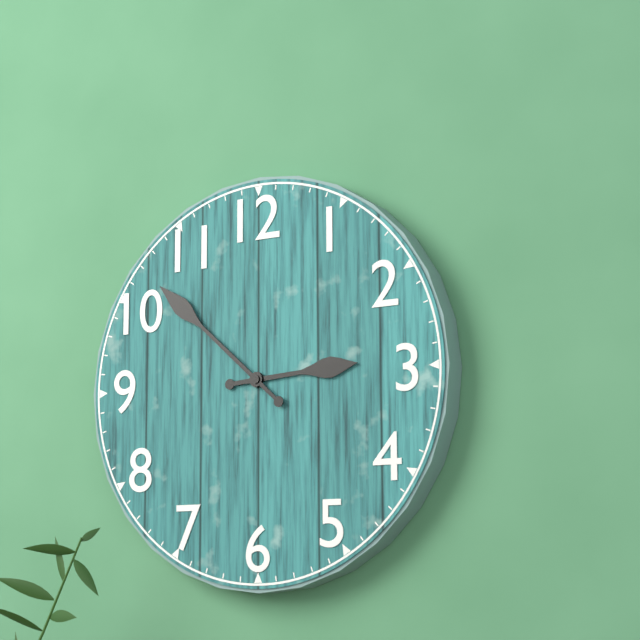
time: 2:52
